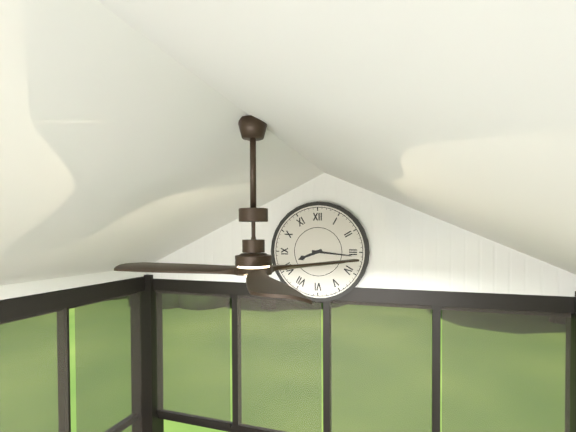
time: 8:16
